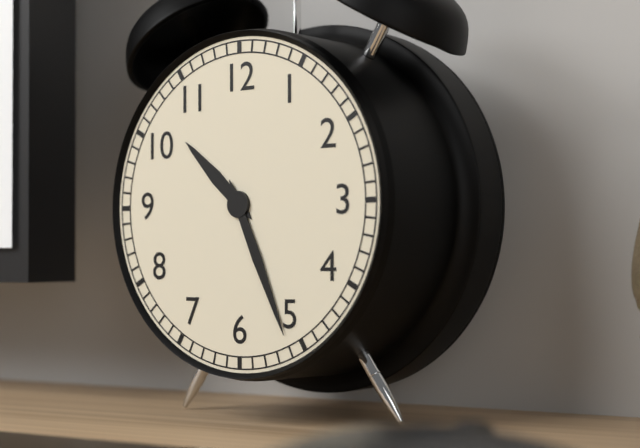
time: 10:26
